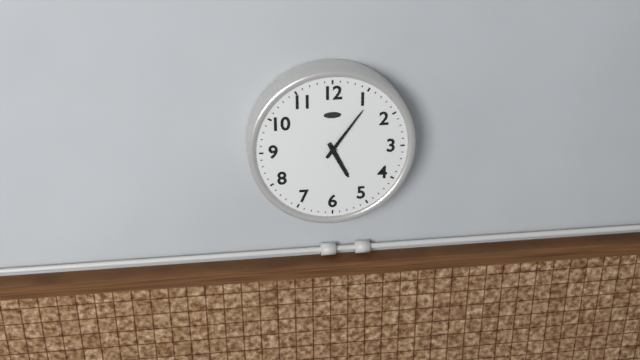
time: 5:06
